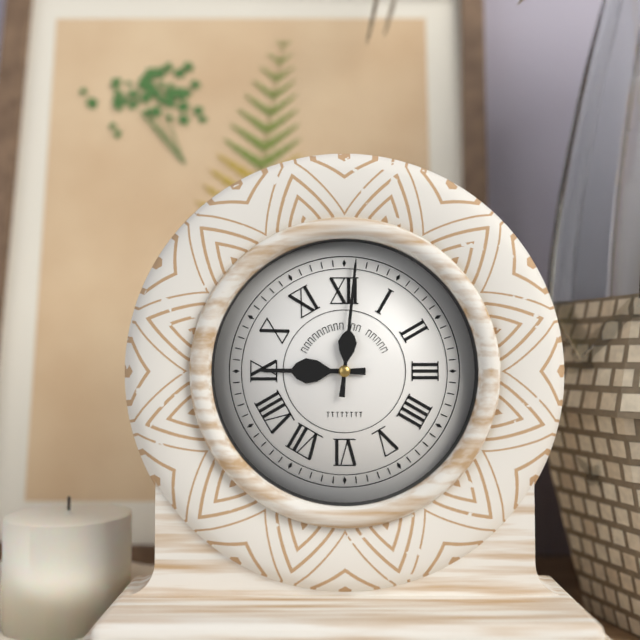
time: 9:01
